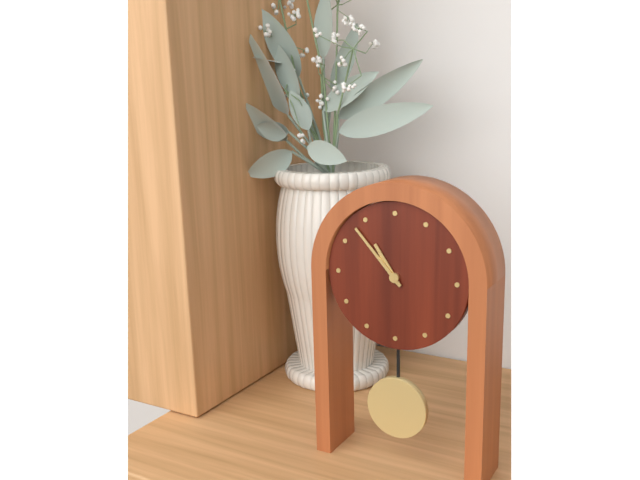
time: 10:53
